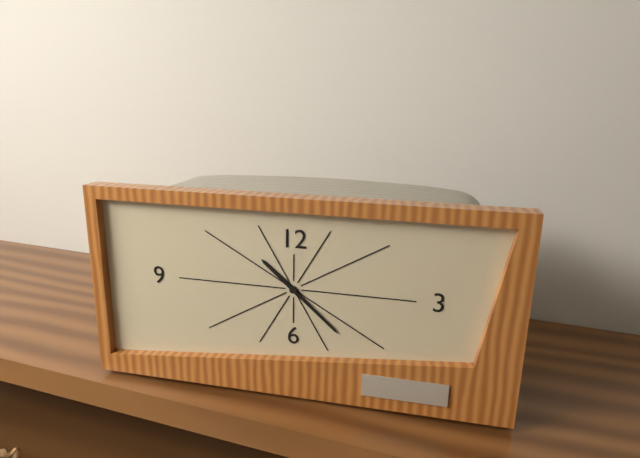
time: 10:22
